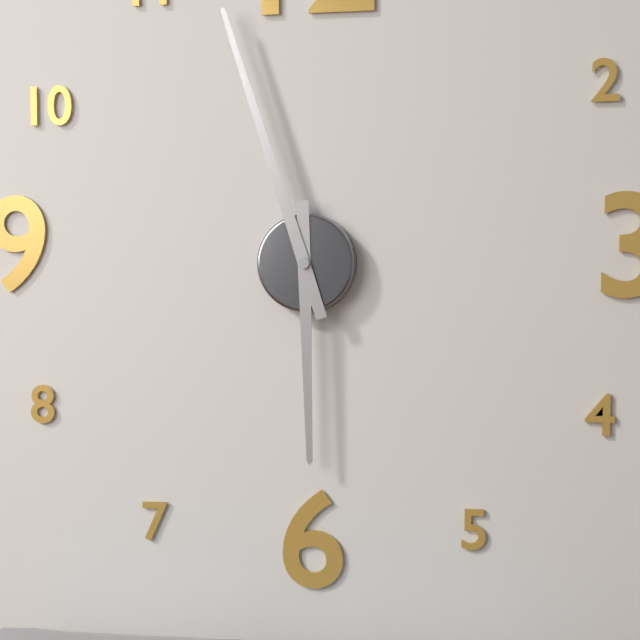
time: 5:57
